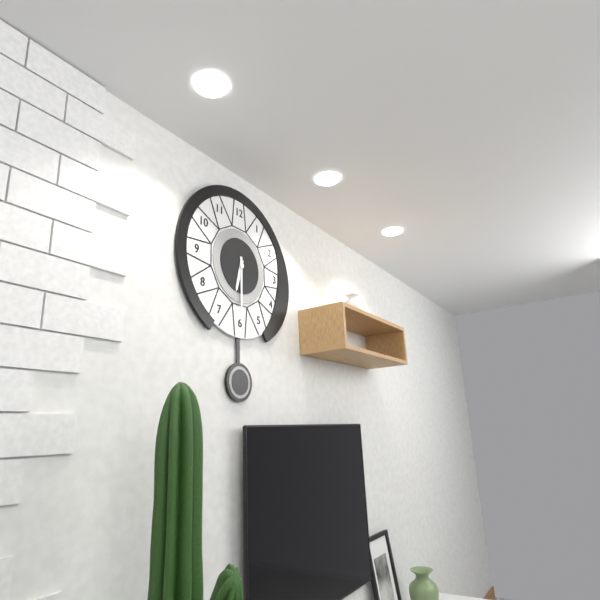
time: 6:30
